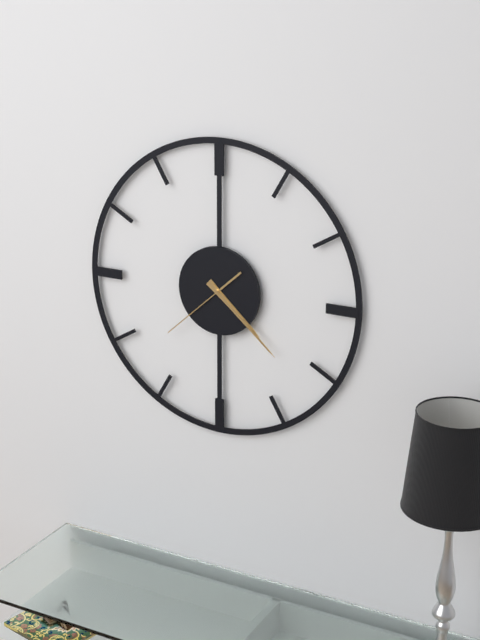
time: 4:22:38
